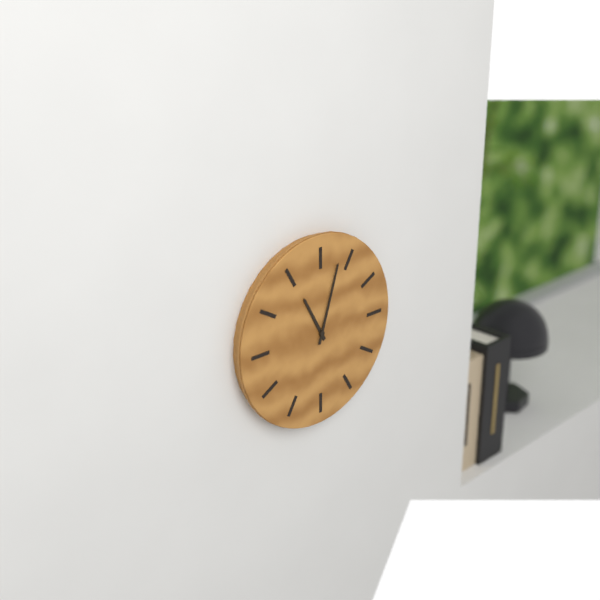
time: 11:03
